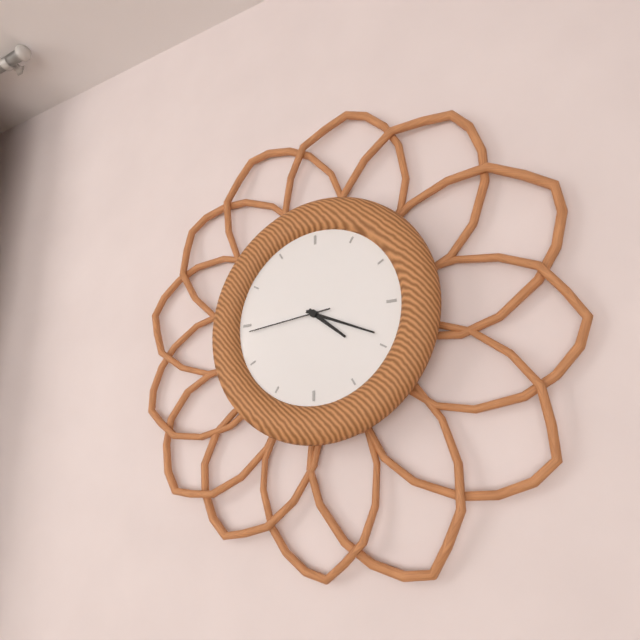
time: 4:19:44
